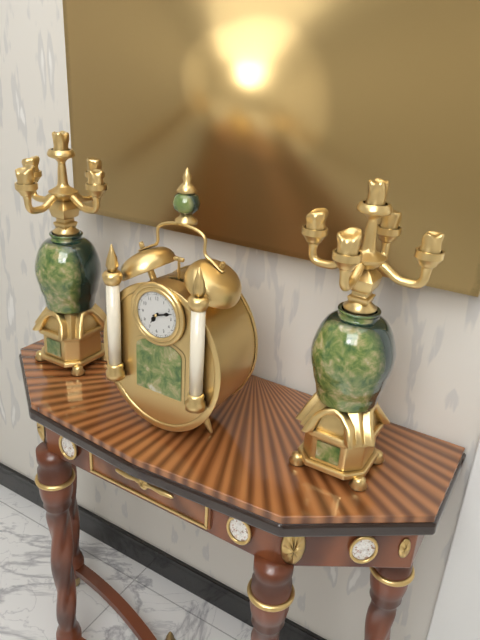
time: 7:12
